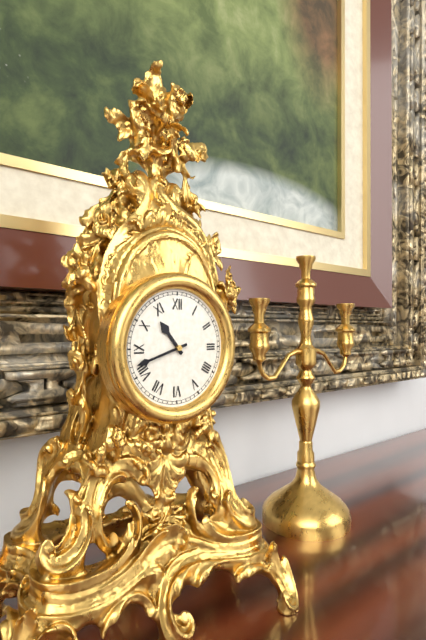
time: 10:42
